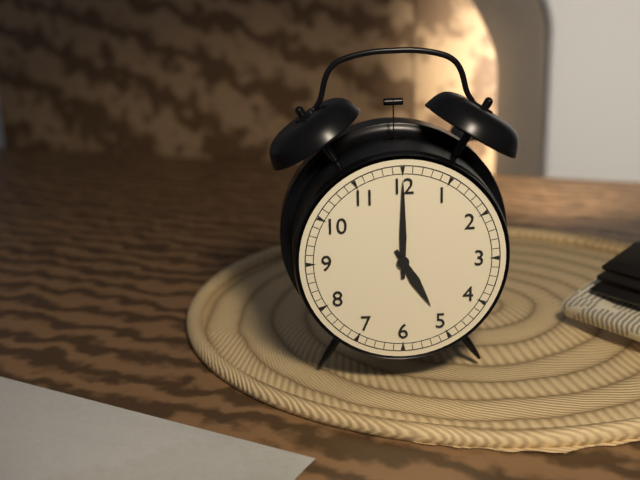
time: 5:00
